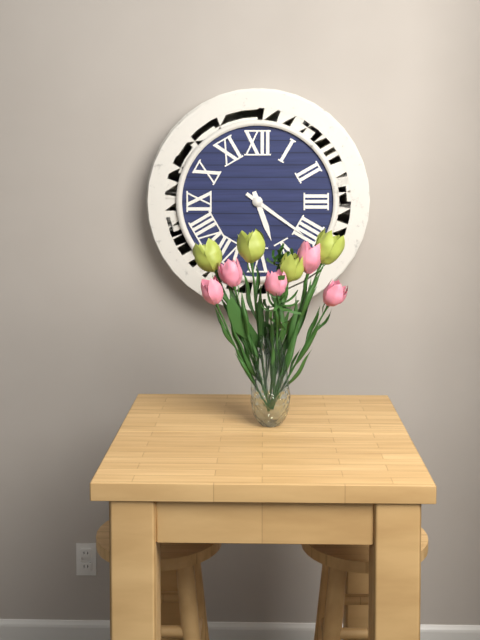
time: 5:21
